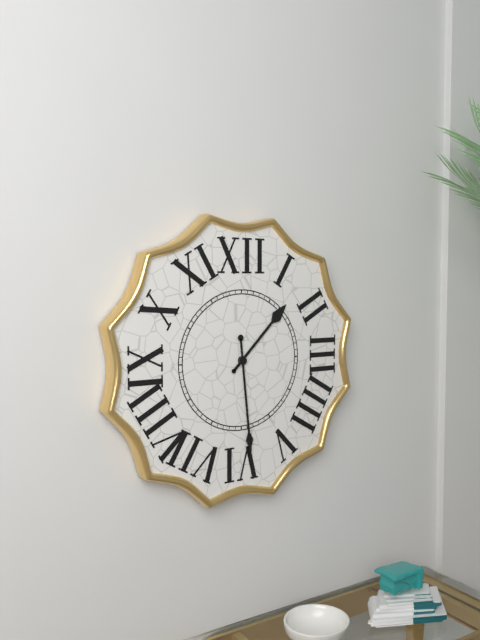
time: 1:29
